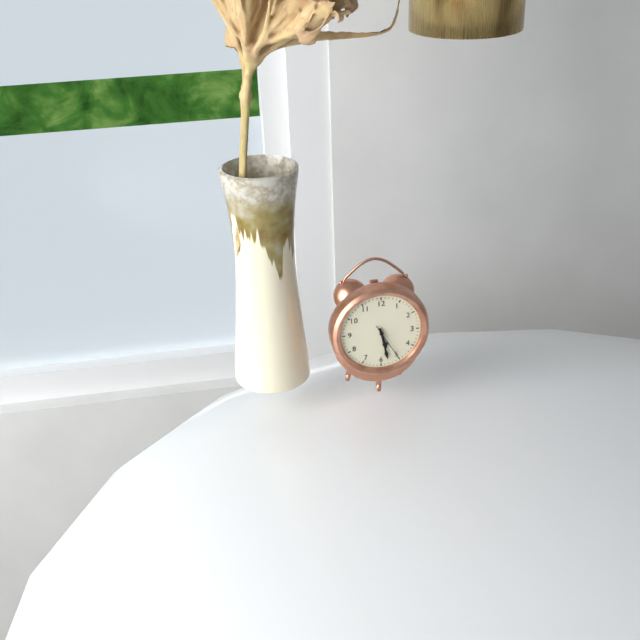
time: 5:28
